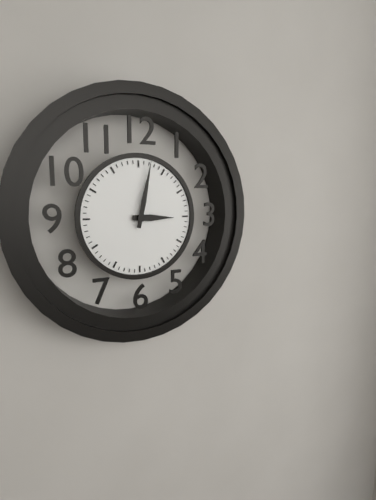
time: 3:02
